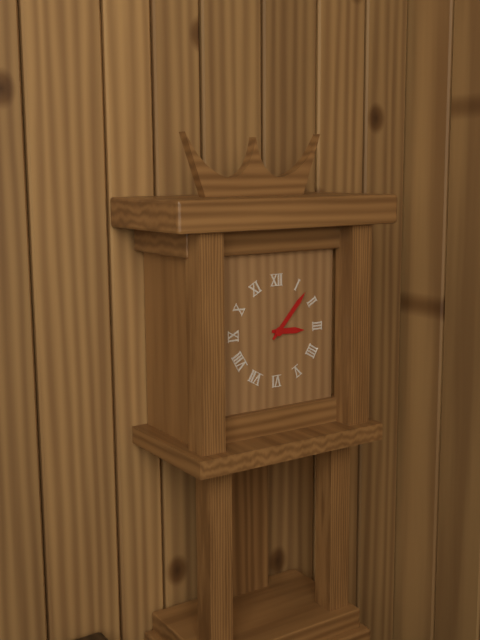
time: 3:07
